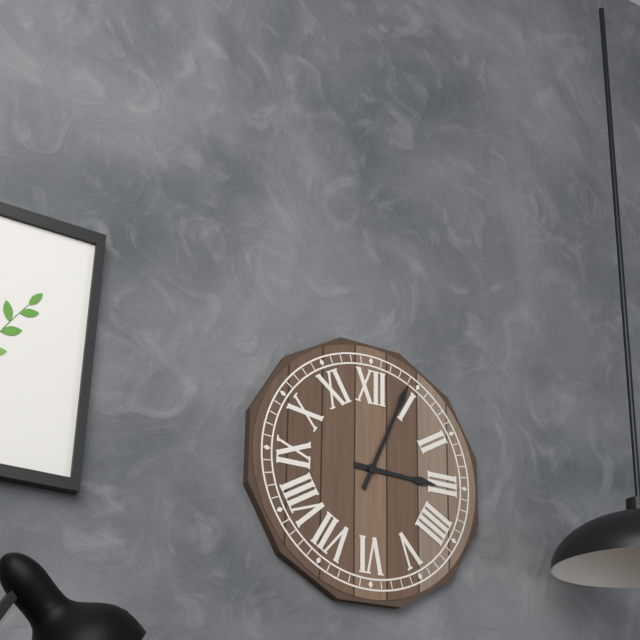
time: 3:04
